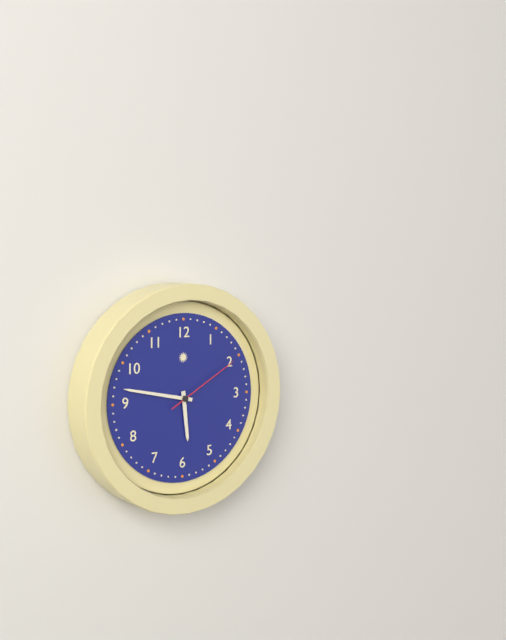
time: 5:47:10
